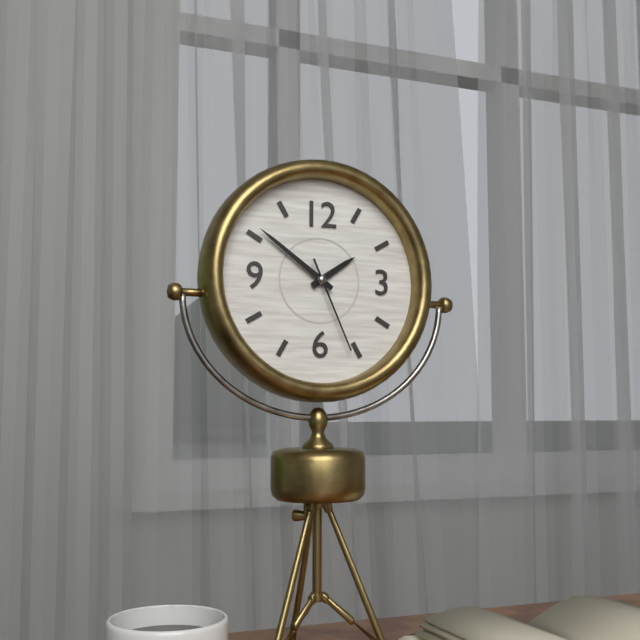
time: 1:51:26
